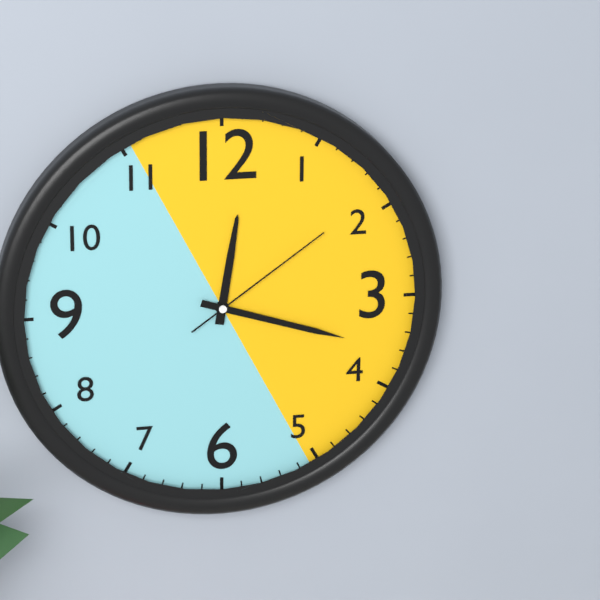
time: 12:18:09
